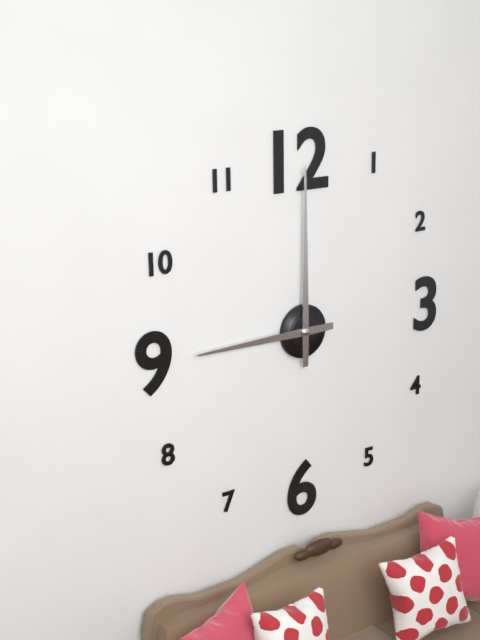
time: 9:00
